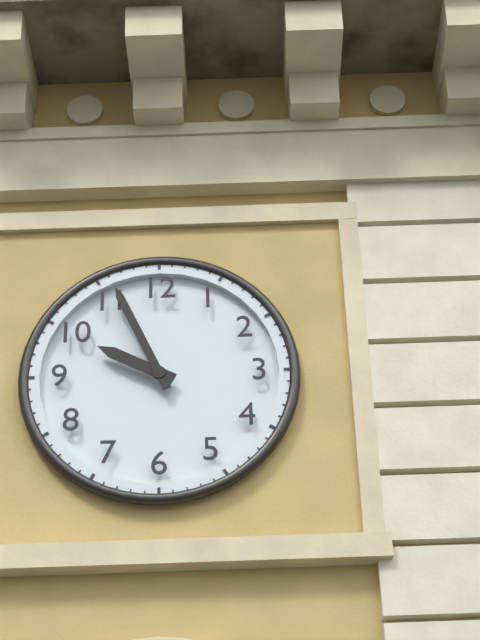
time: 9:56
